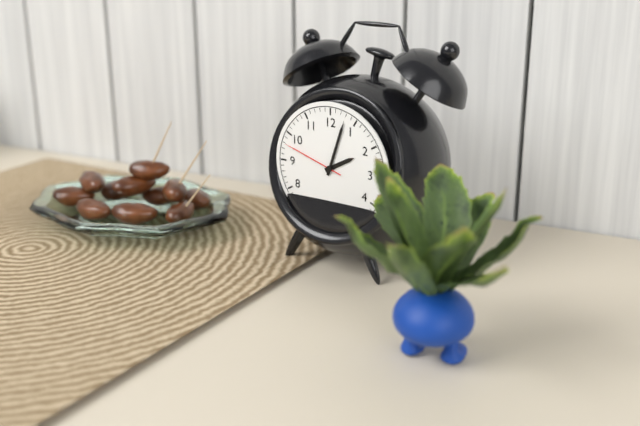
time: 2:03:48
